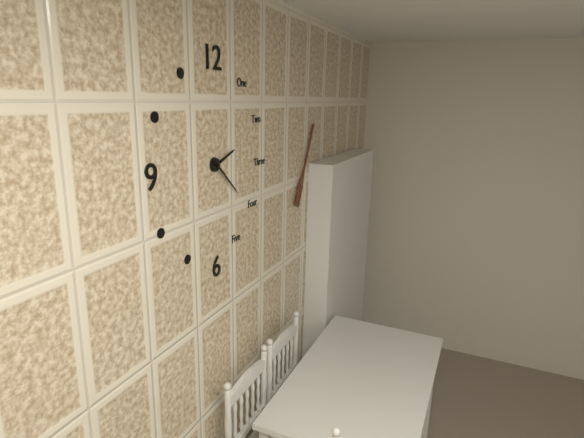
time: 2:22
